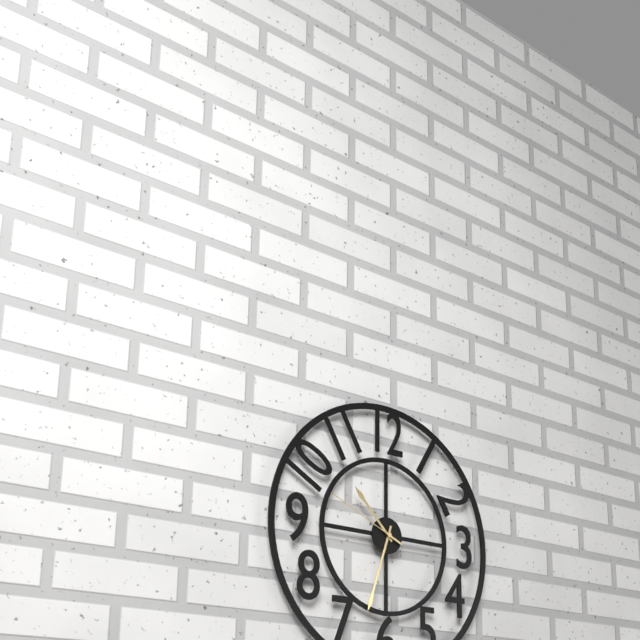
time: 10:33:49
